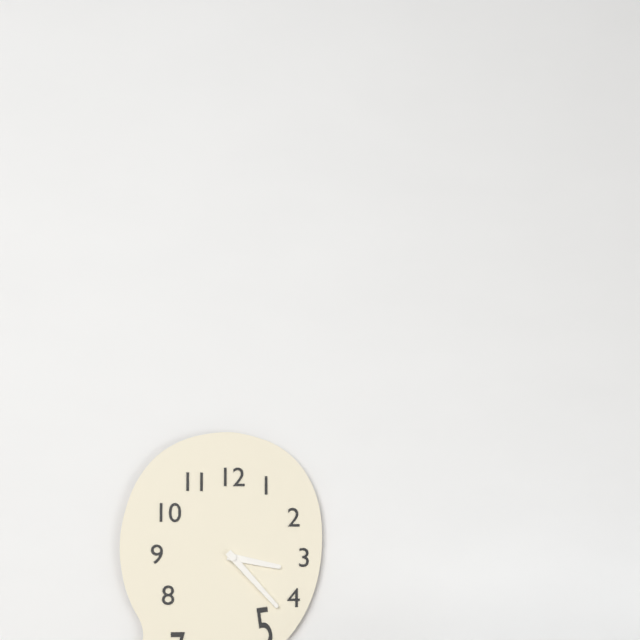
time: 3:23
